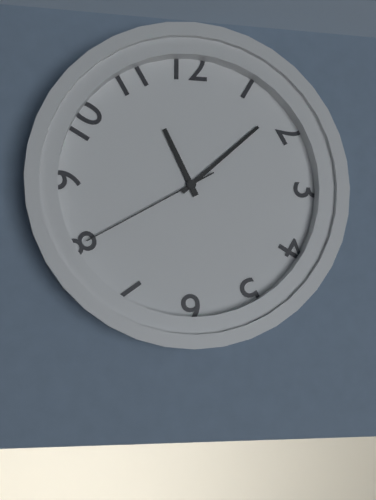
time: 11:08:40
